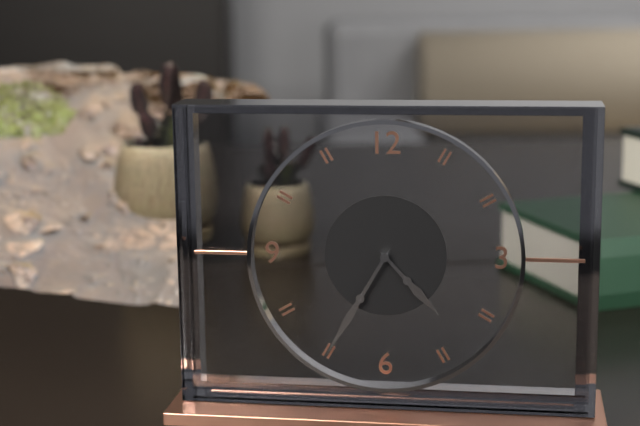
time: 4:35
